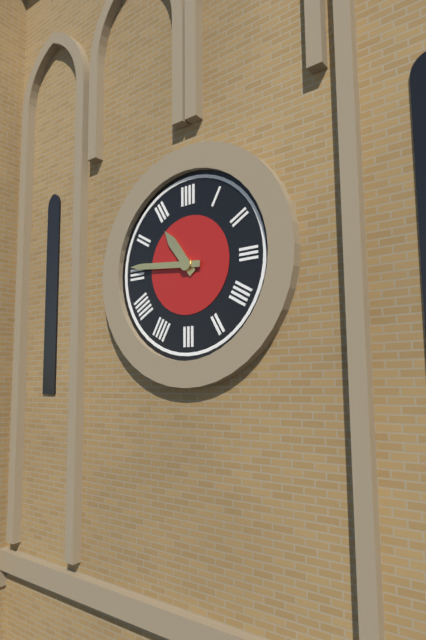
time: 10:46
